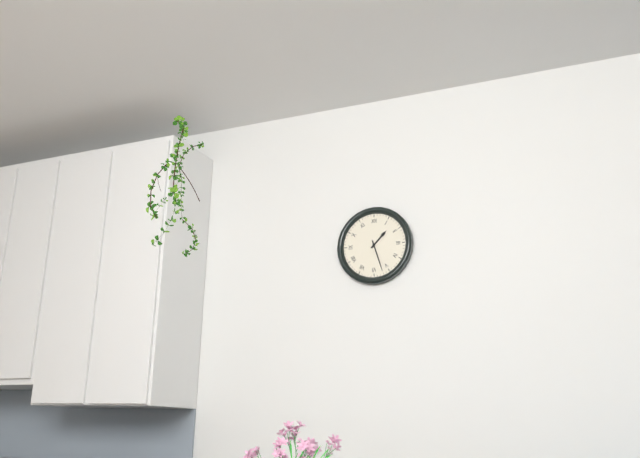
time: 1:27
